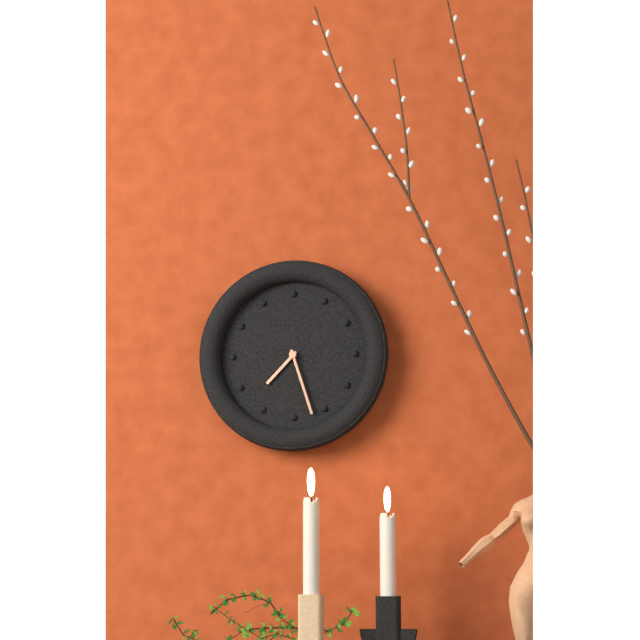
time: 7:27
